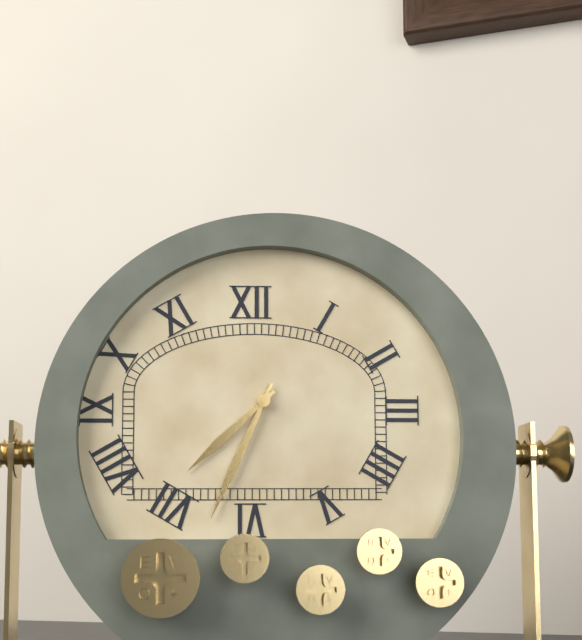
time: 7:34
